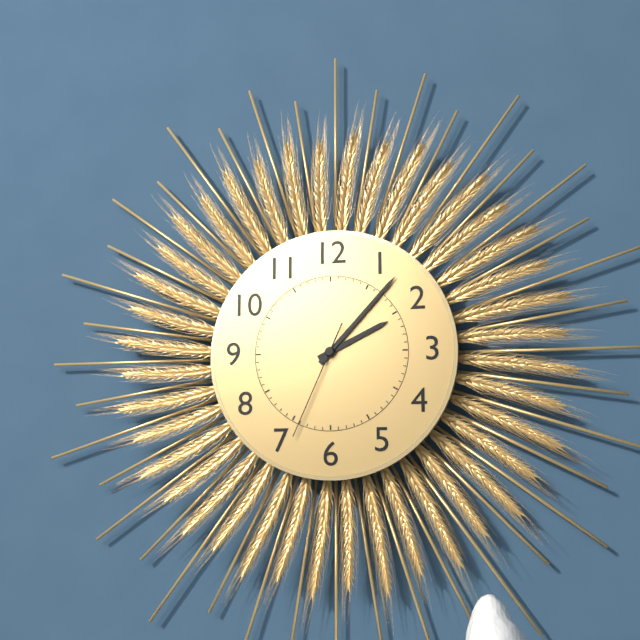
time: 2:07:34
